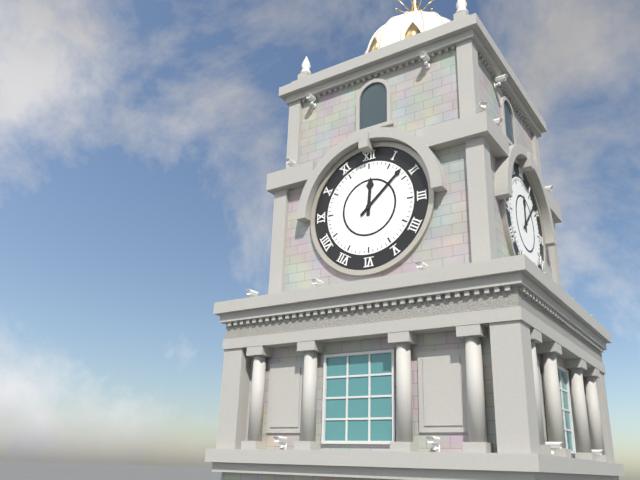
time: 12:08
